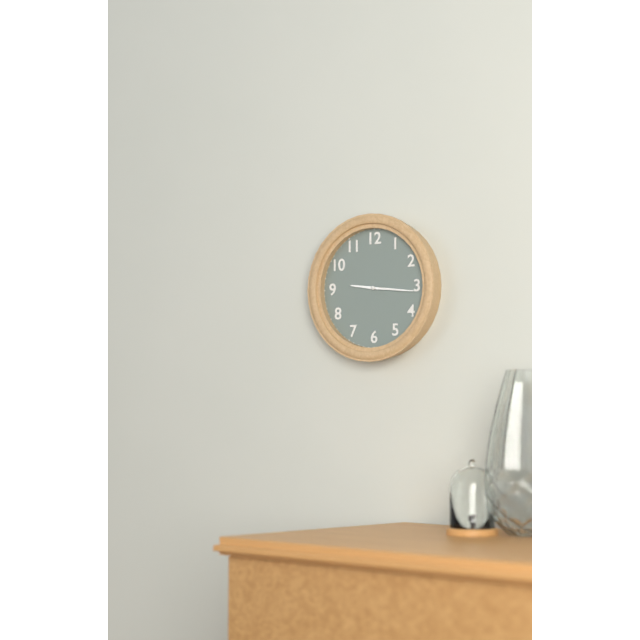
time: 9:16
